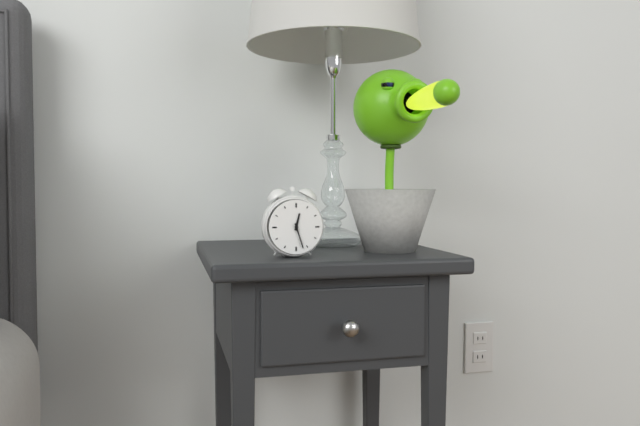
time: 12:27
